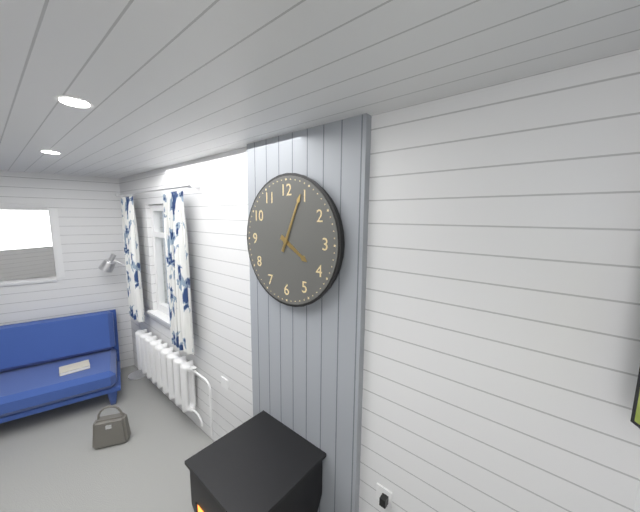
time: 4:04
